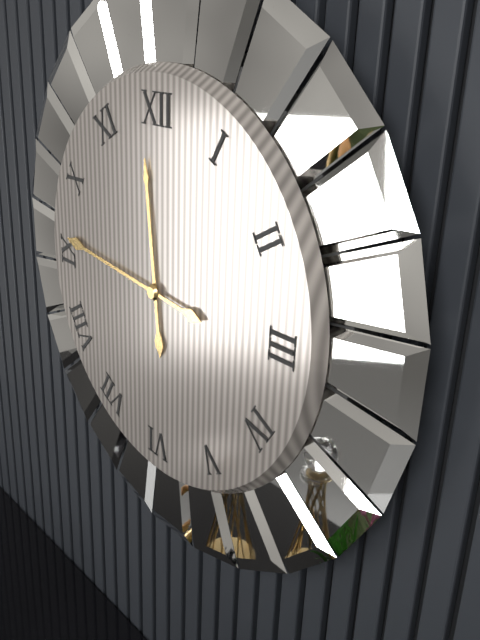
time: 11:46
